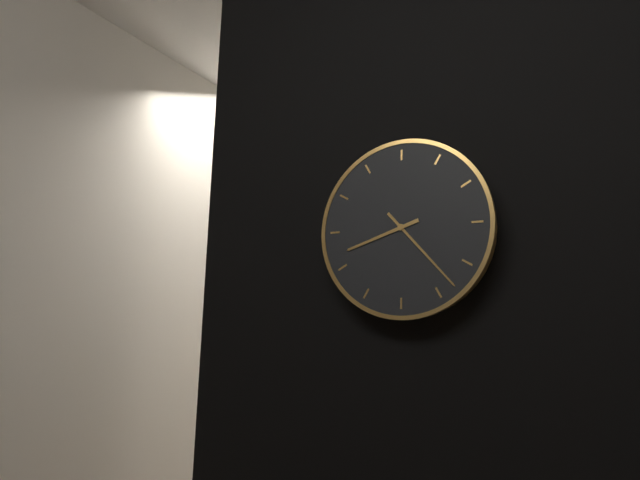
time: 8:23
